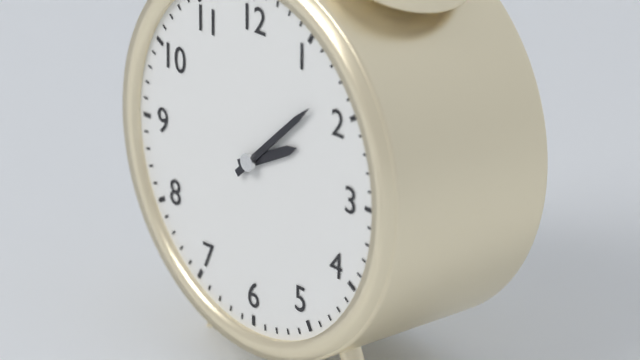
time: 2:08
